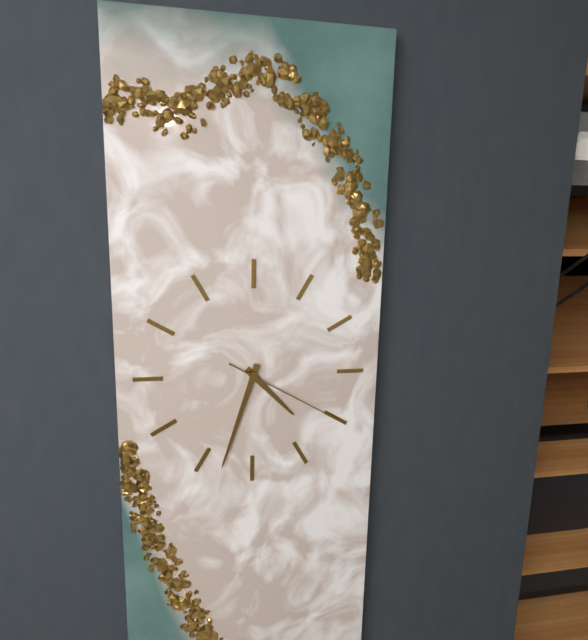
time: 4:33:20
